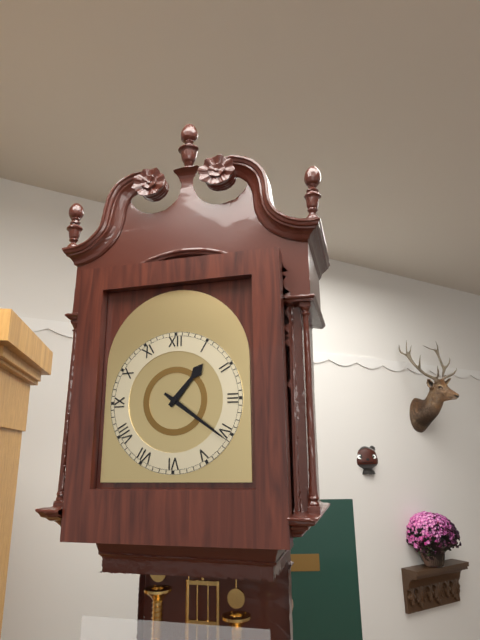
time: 1:21
